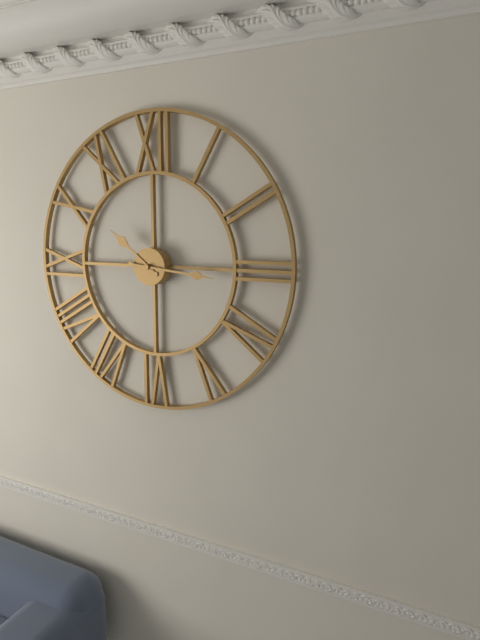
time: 10:16
